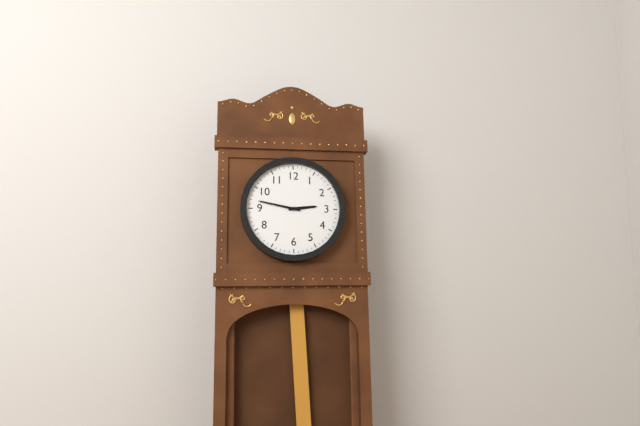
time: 2:47
